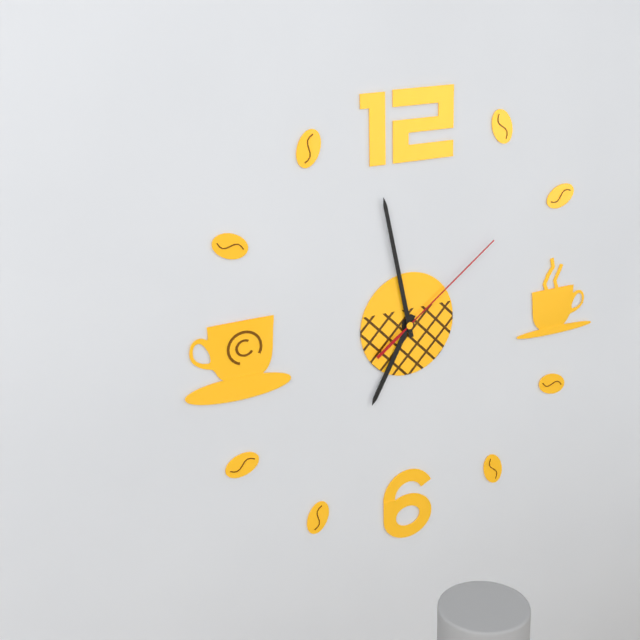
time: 6:58:09
